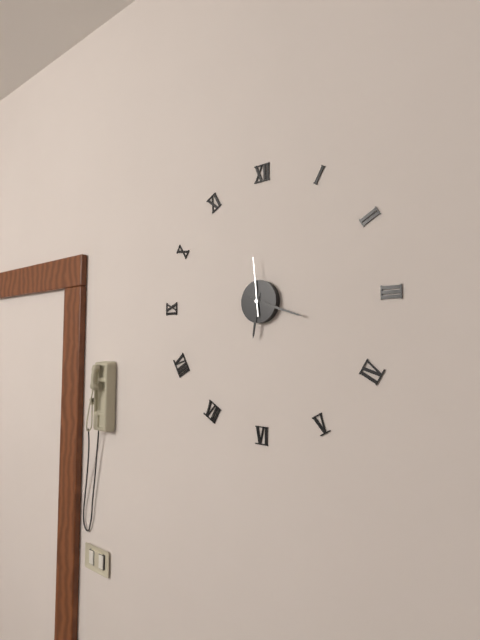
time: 6:18:59
